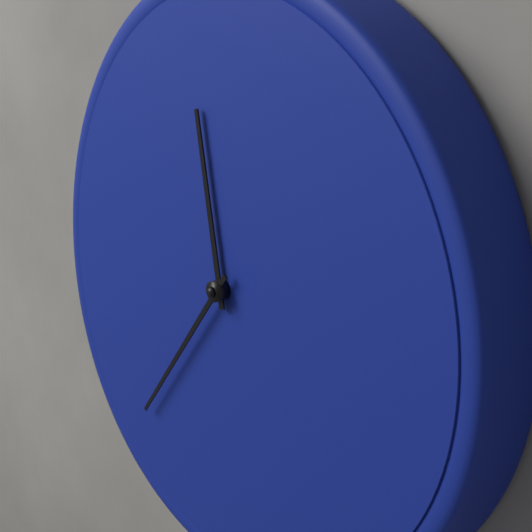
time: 11:36
